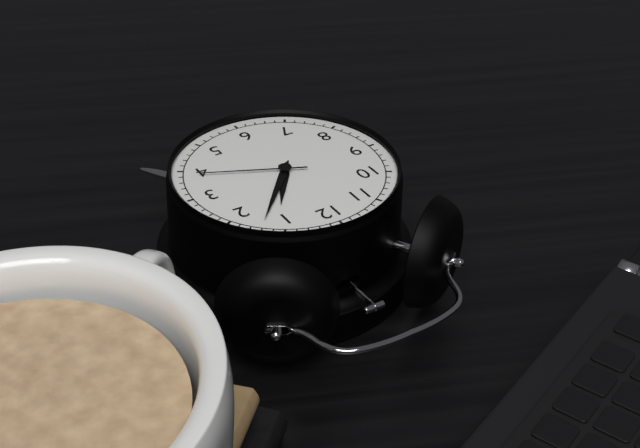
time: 1:07:19
